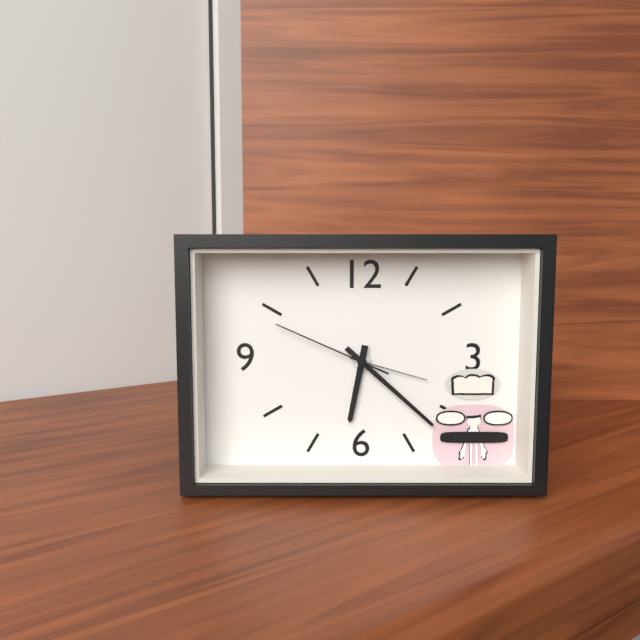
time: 6:22:49
